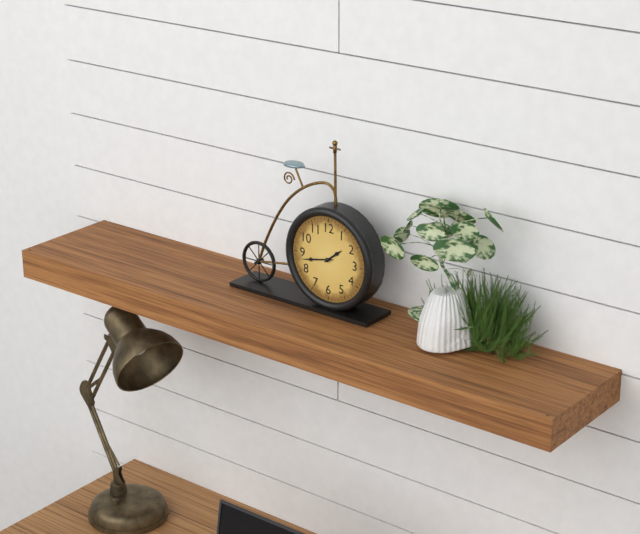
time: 1:43
